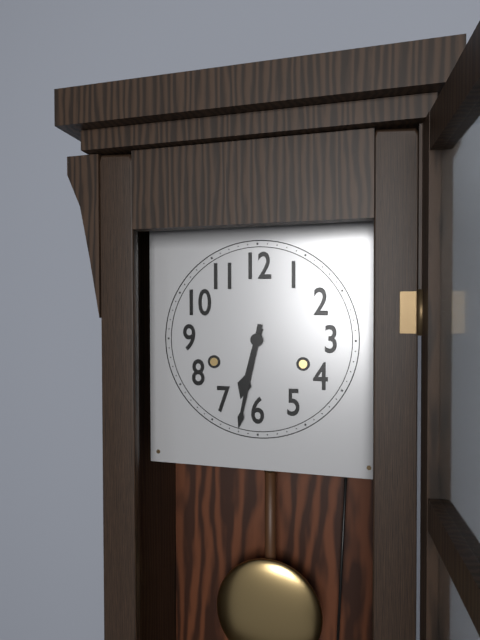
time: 6:32
